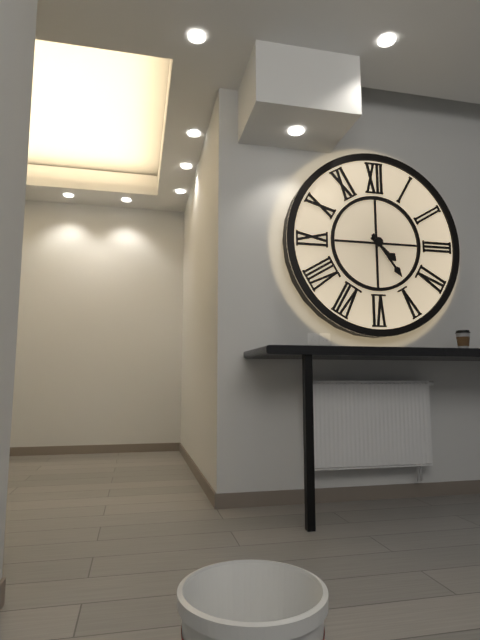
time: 4:24
